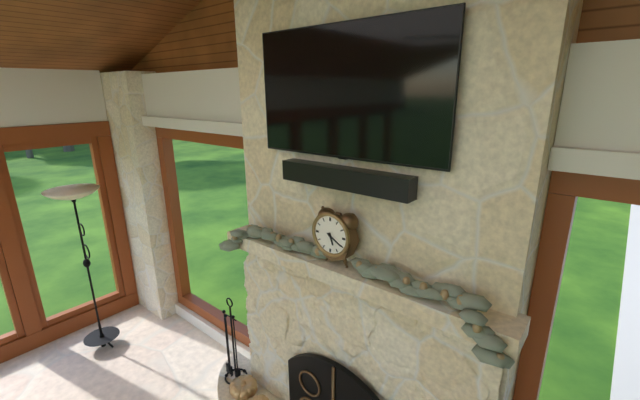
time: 5:20
